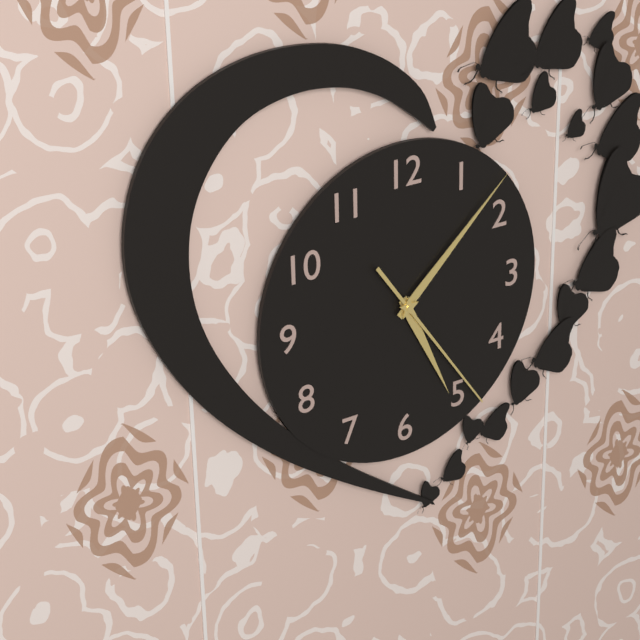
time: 5:08:24
